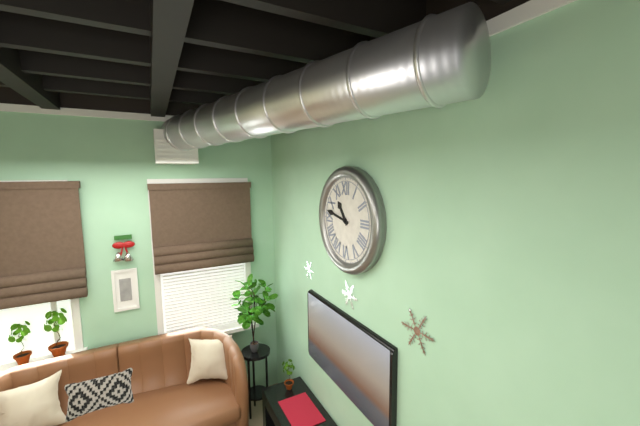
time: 10:47
